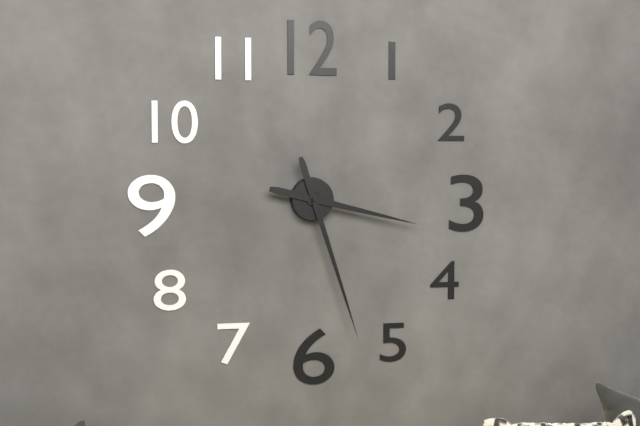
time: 3:27
